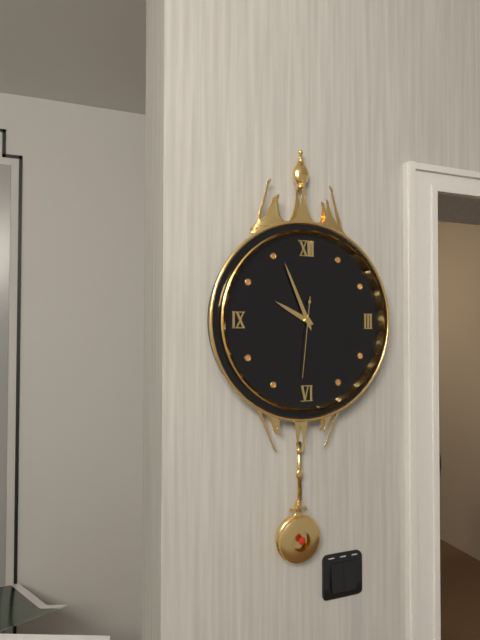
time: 9:56:31
